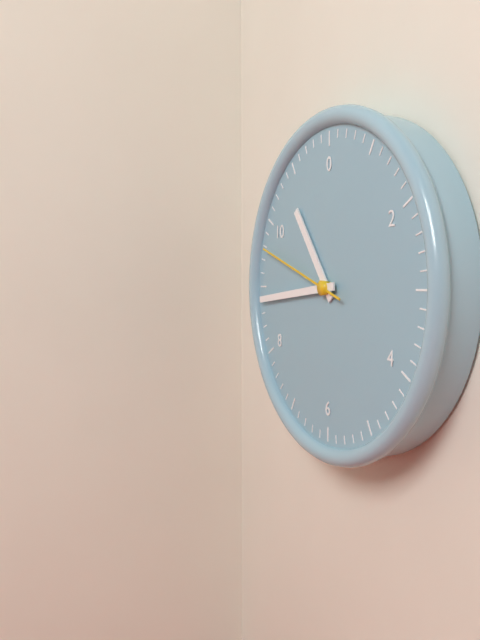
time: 10:44:48
